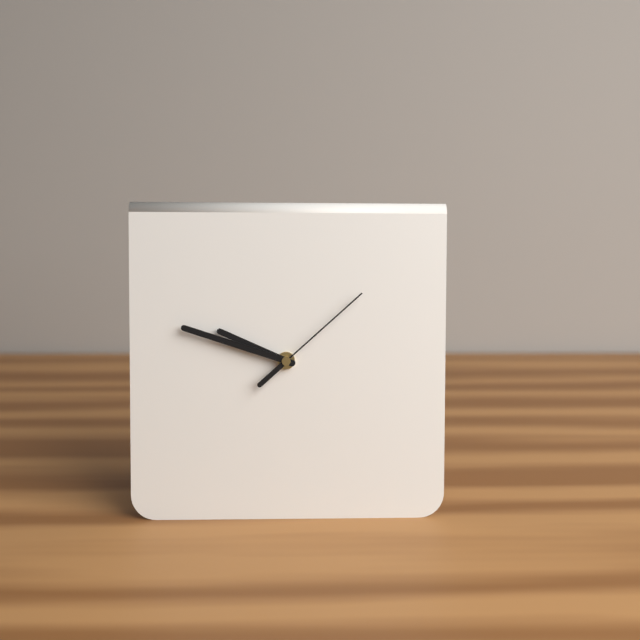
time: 9:48:08
